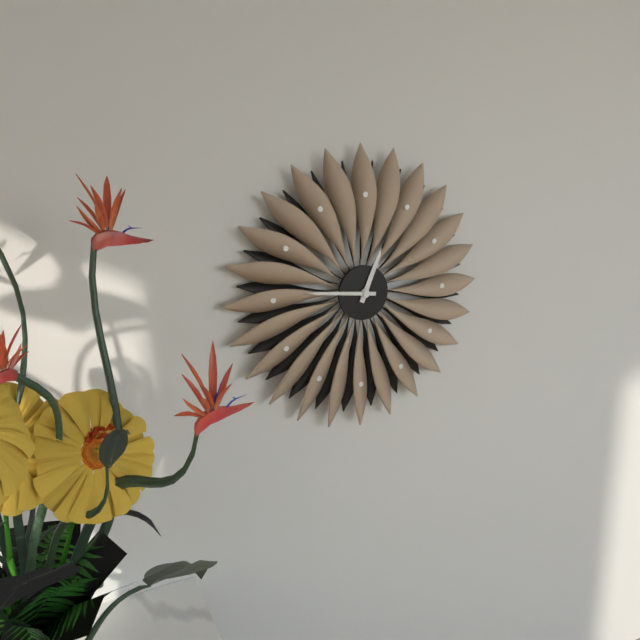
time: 12:46
